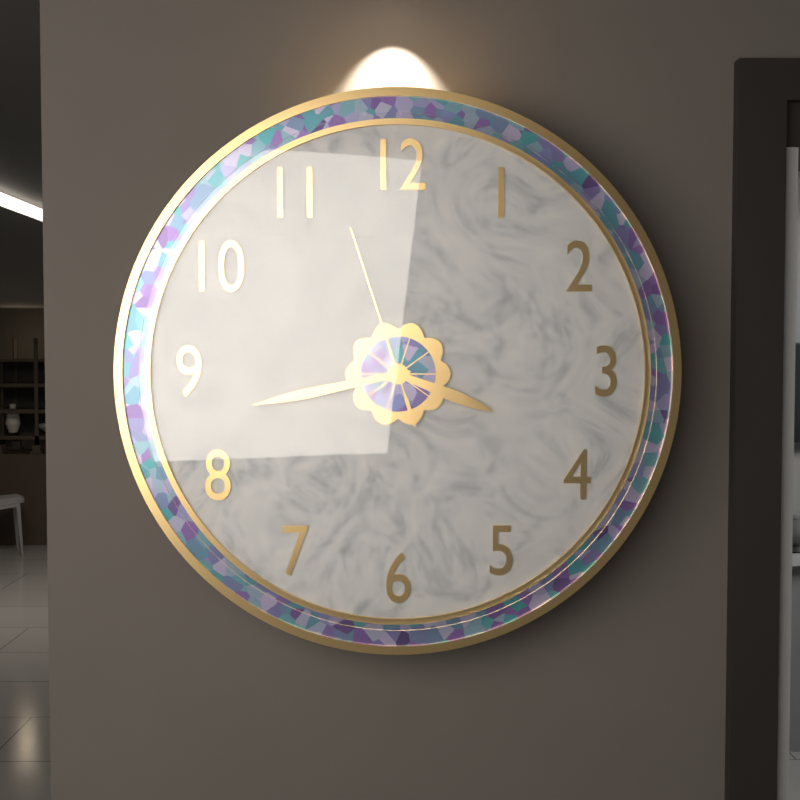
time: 3:43:57
